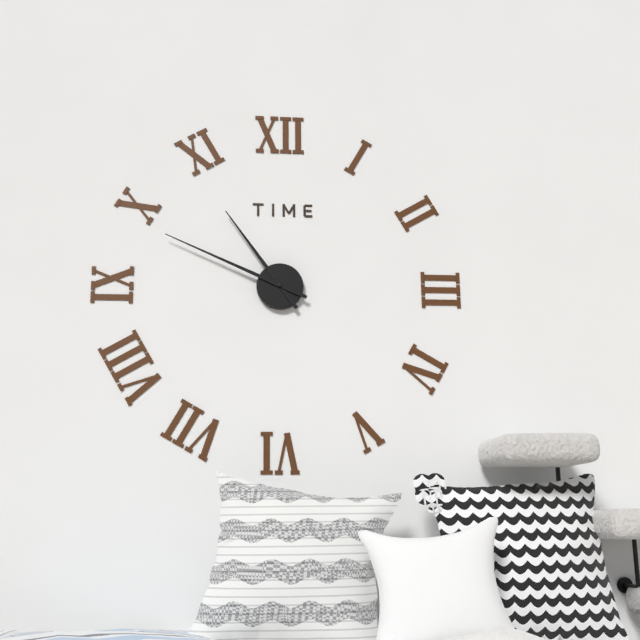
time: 10:49
